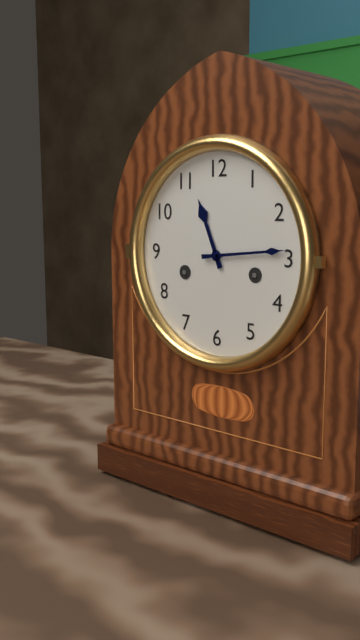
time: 11:14
